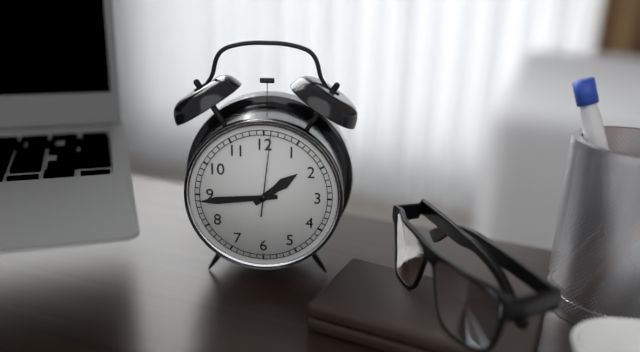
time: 1:44:01
